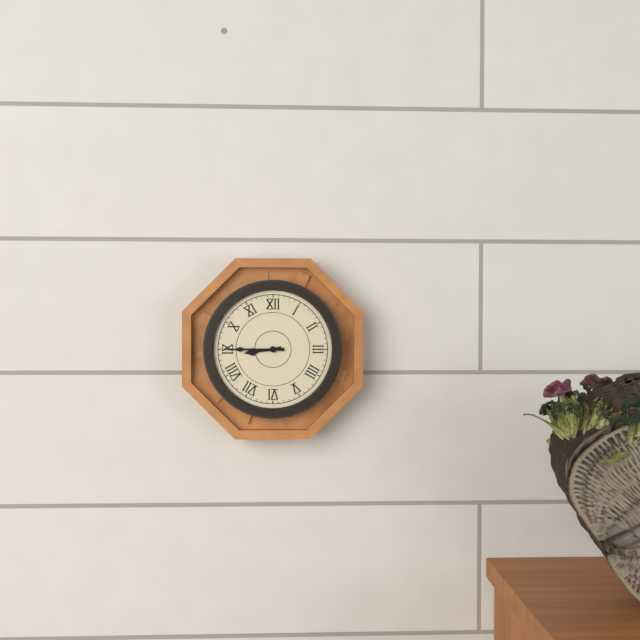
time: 8:45
